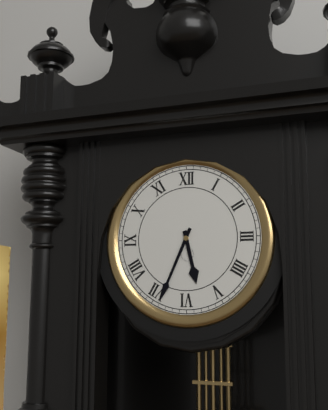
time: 5:34
